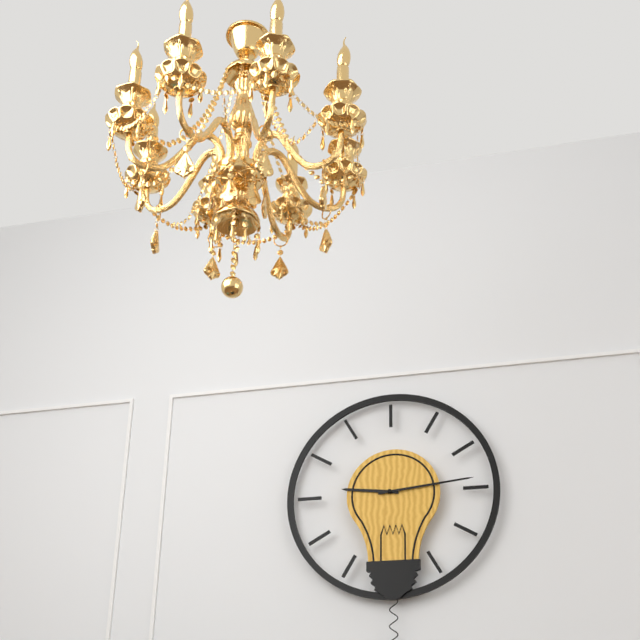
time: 9:14
